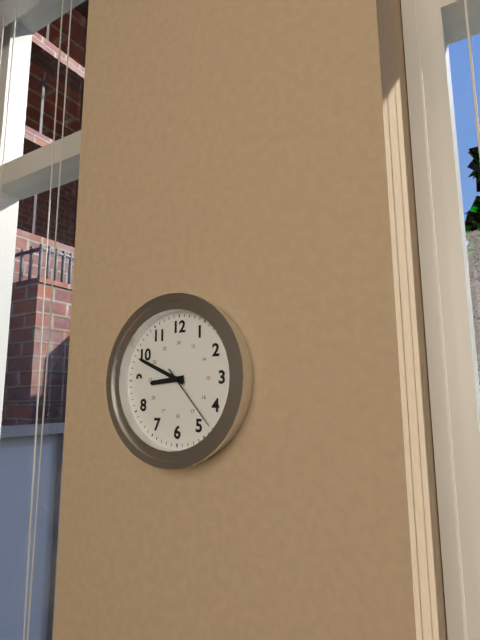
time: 8:49:23
